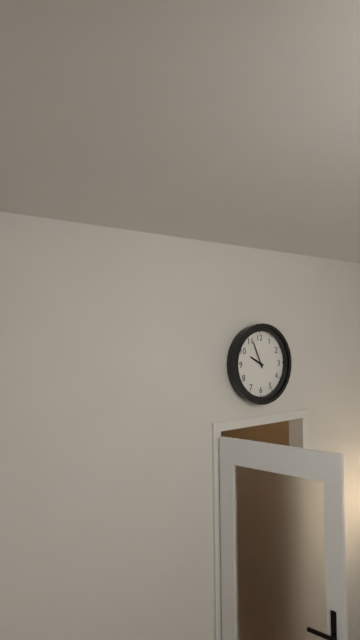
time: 9:56
